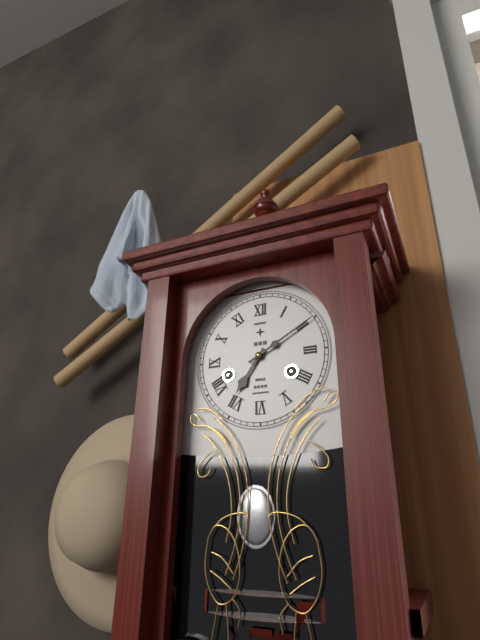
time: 7:10
